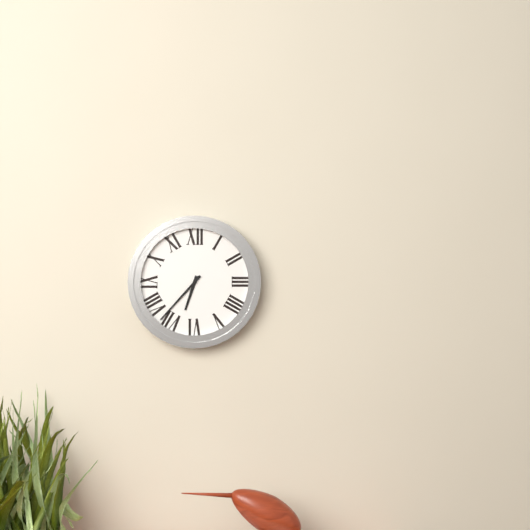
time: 6:37
